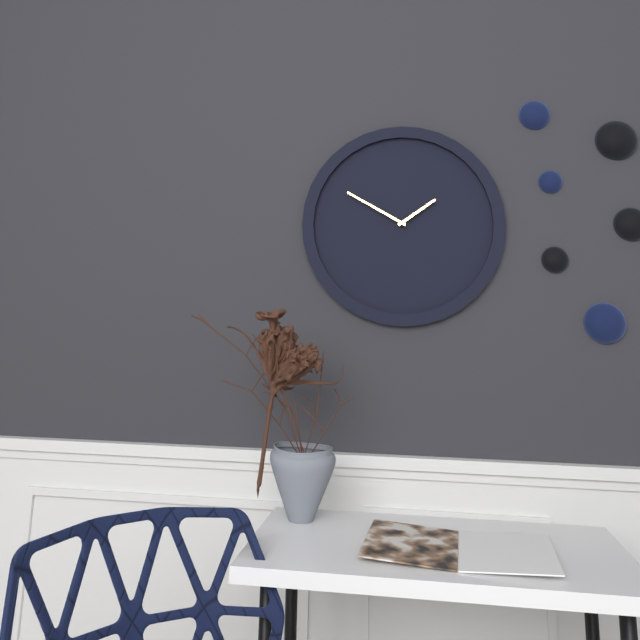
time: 1:50
